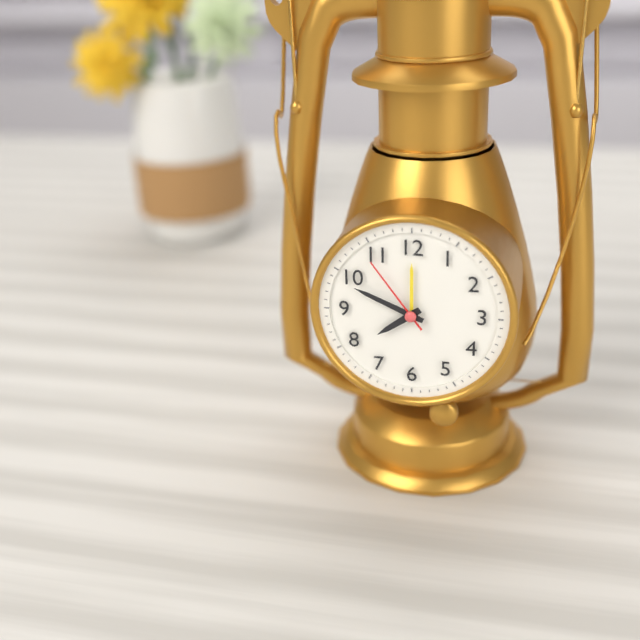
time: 7:49:54
